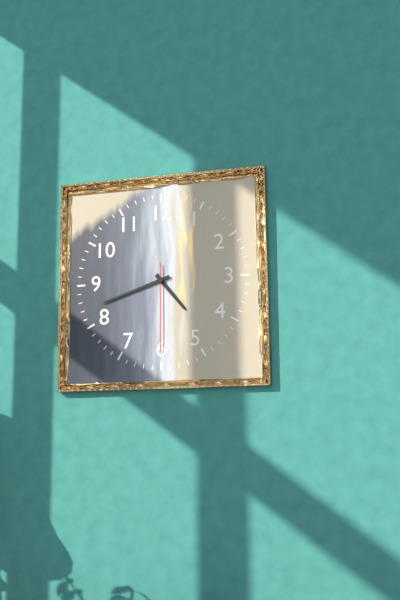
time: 4:42:30
